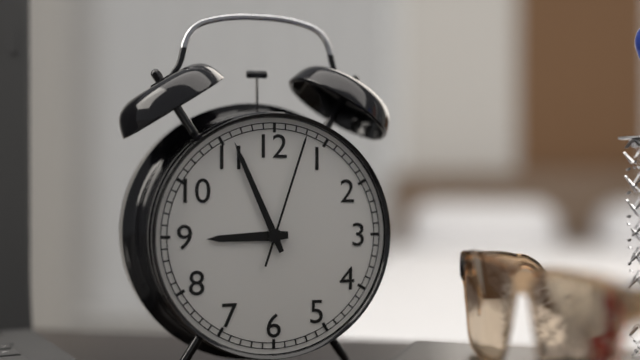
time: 8:56:03
